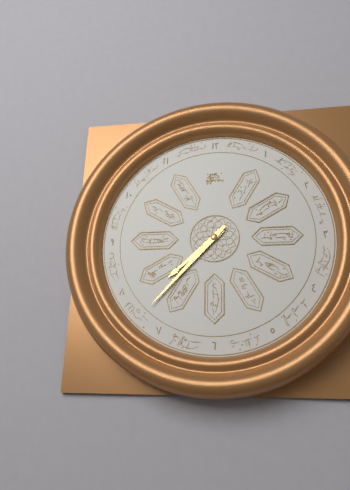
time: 7:37
